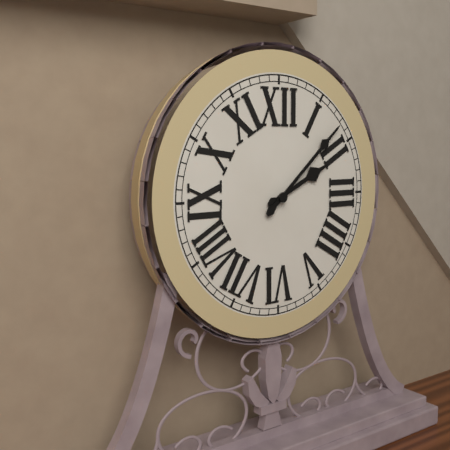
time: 2:08
